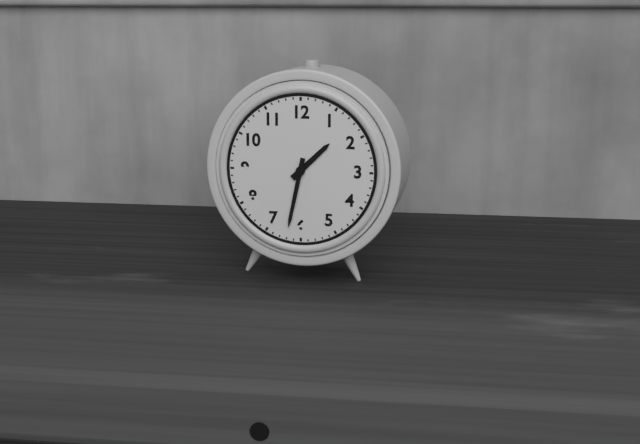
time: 1:32
